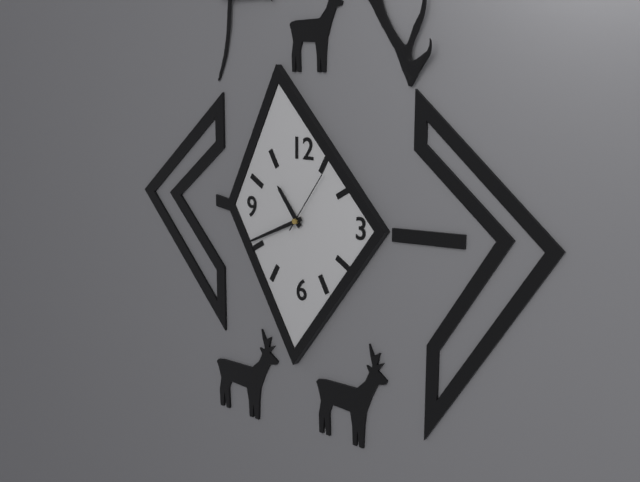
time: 10:41:06
